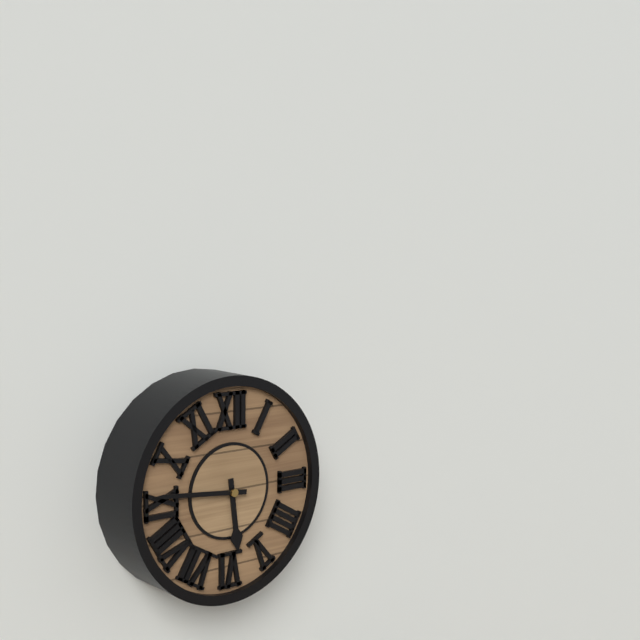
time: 5:46
